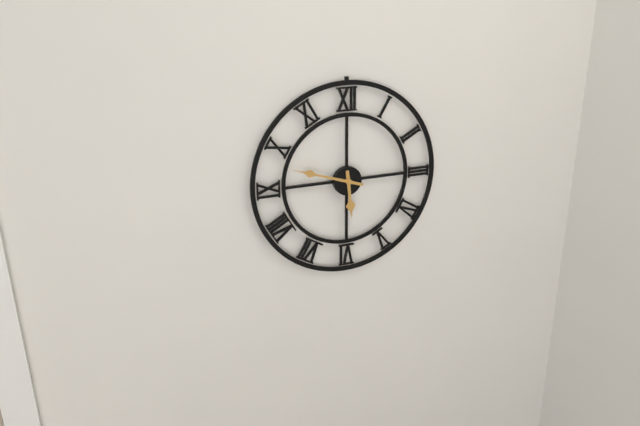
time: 5:48
